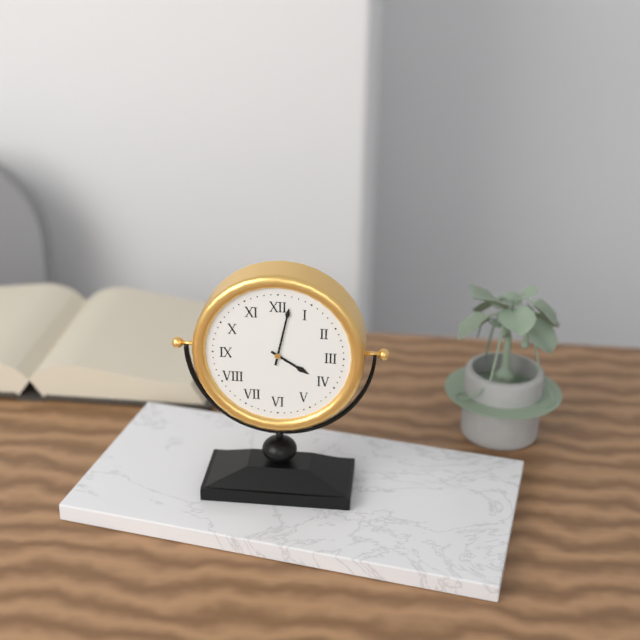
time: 4:02
